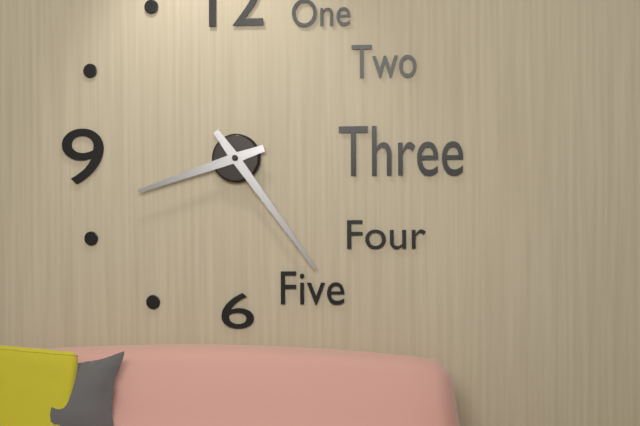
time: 8:24
